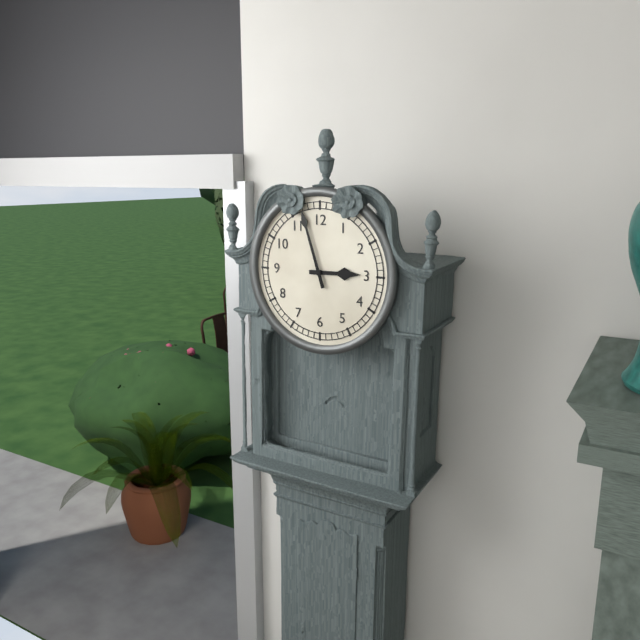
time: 2:57
